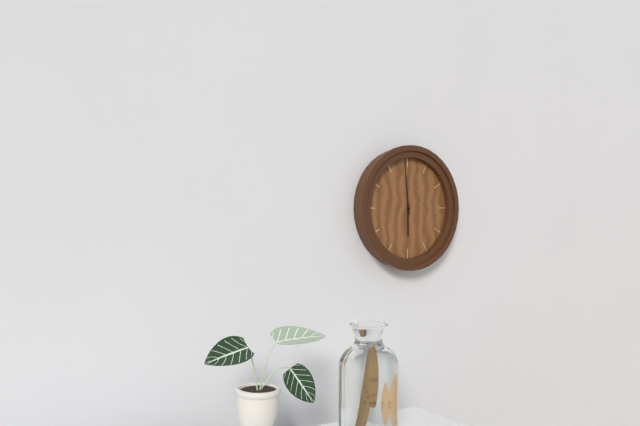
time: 5:59
